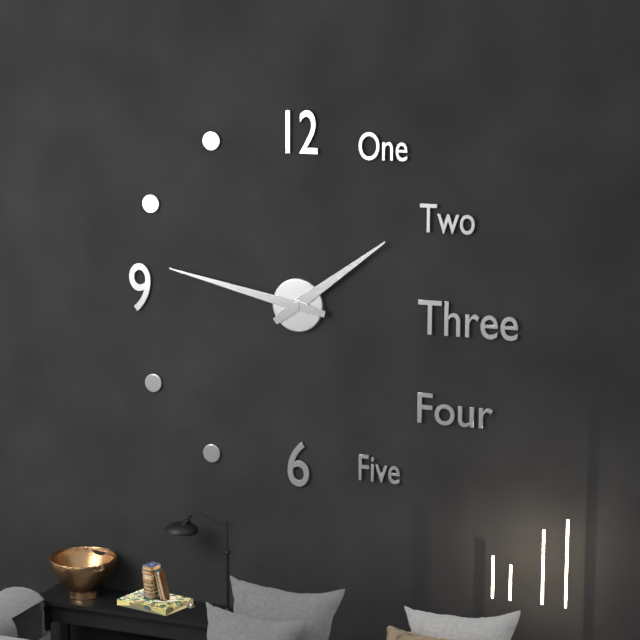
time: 1:47
